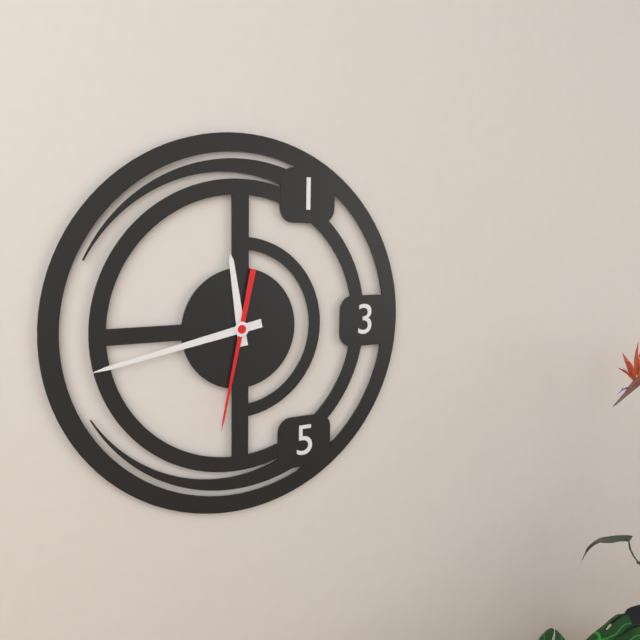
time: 11:43:32
